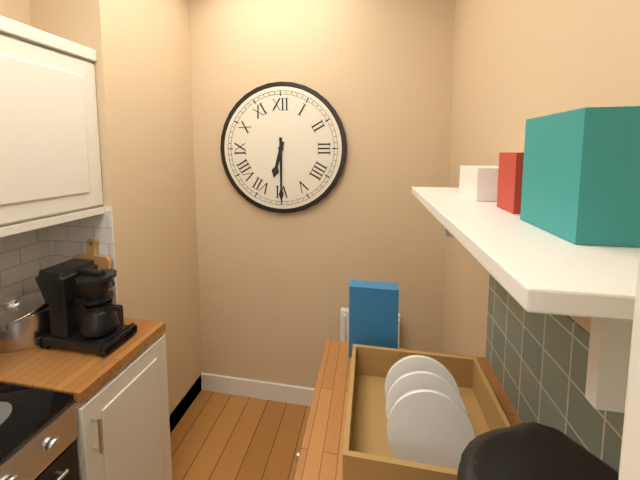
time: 6:30
